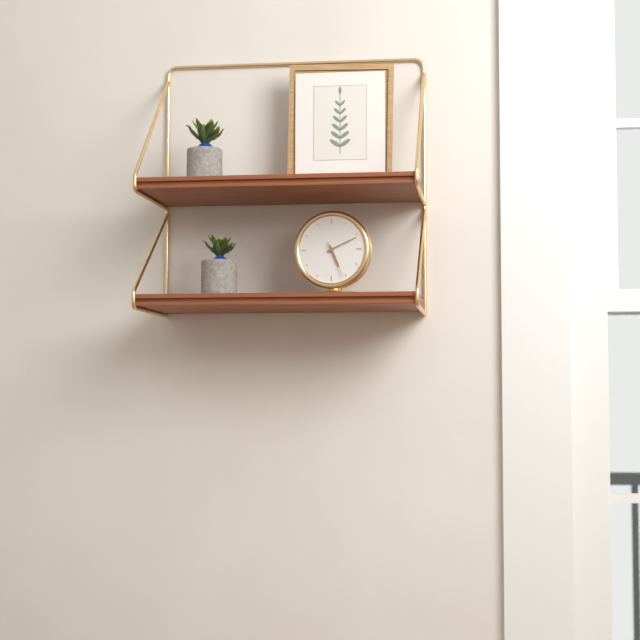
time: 5:11
